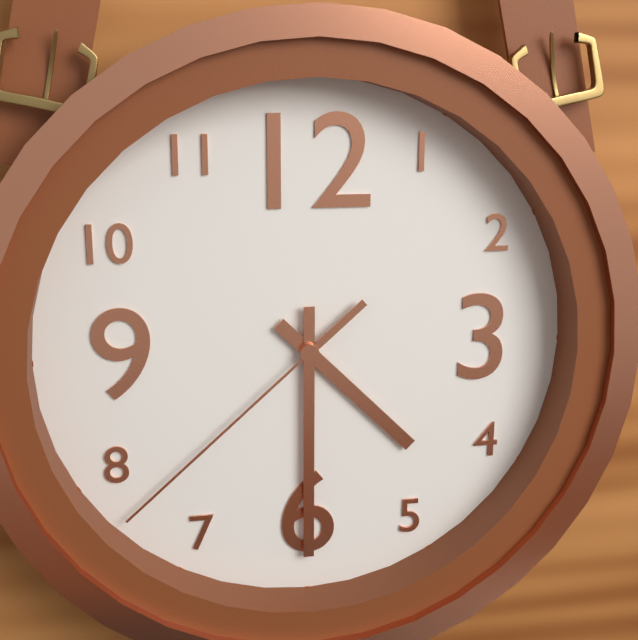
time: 4:30:38
